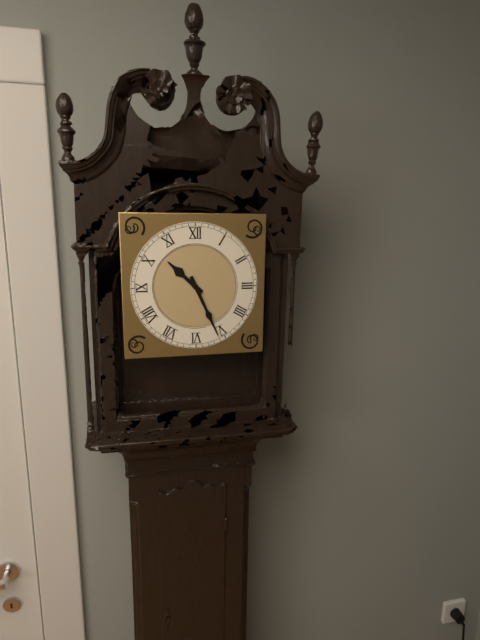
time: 10:26
